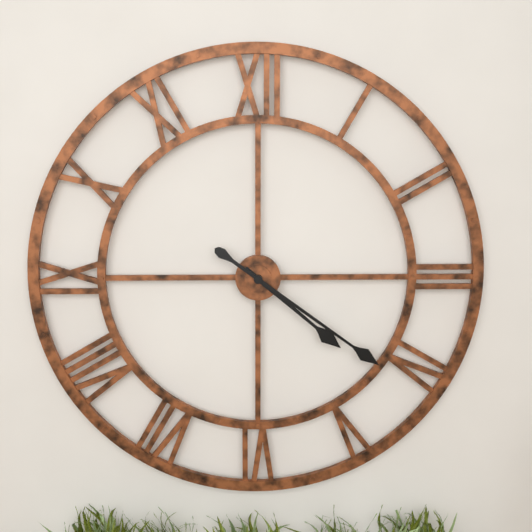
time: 4:21
